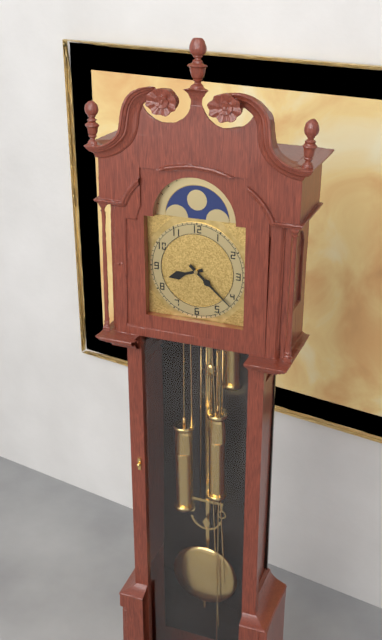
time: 8:22
